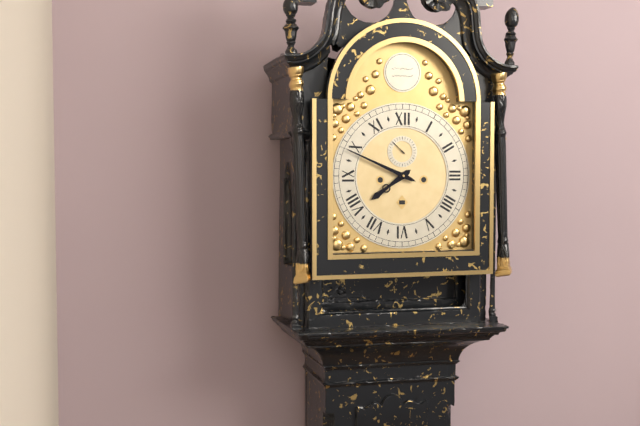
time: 7:49
